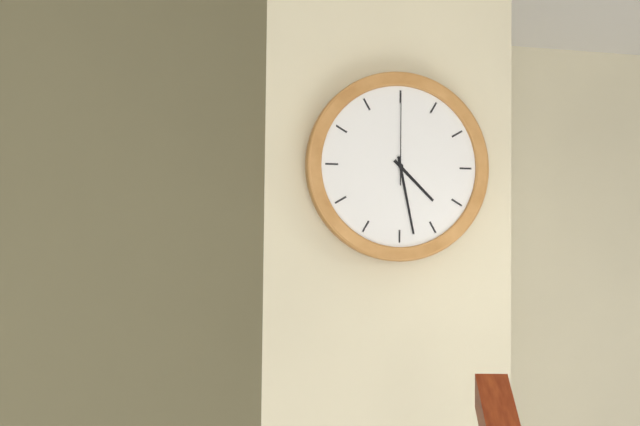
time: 4:28:00
